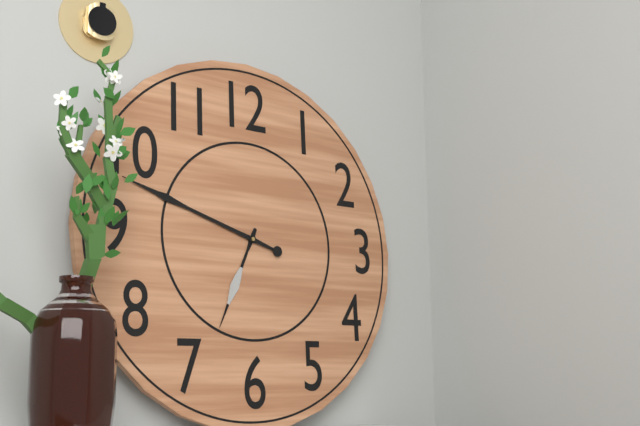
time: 6:48
